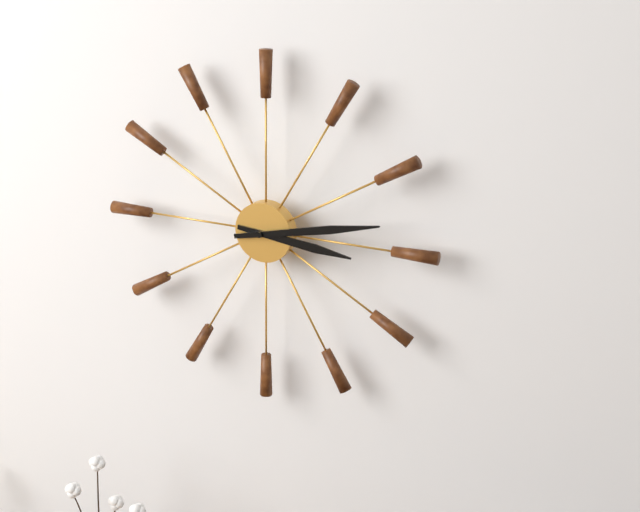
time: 3:13
